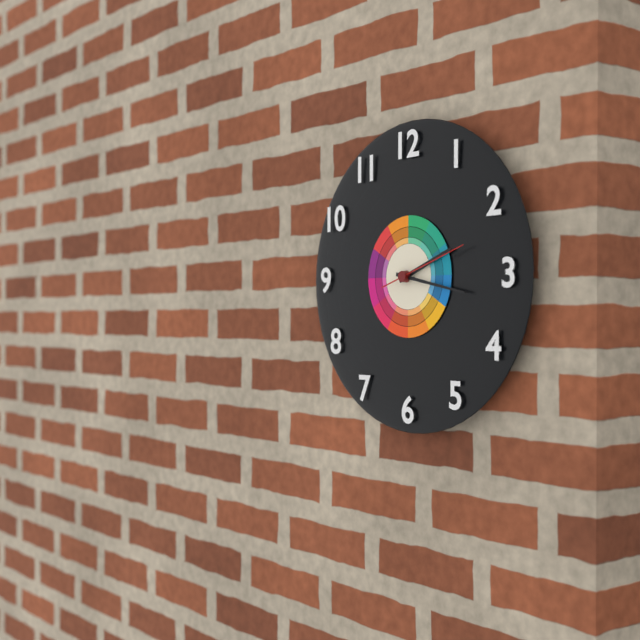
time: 2:17:12
